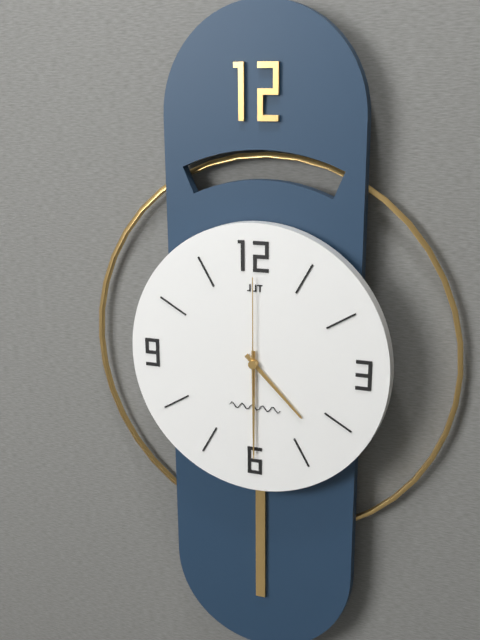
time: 4:30:00
